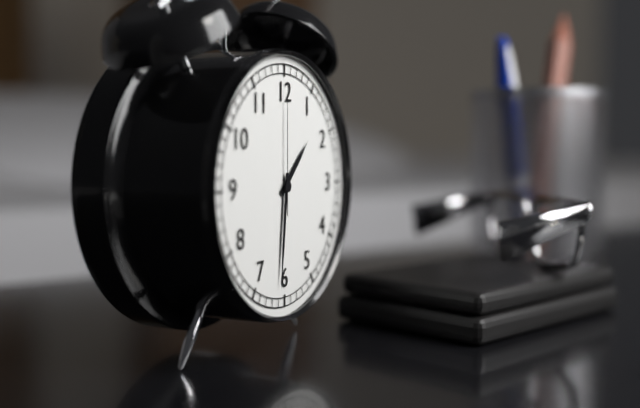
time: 1:31:00
